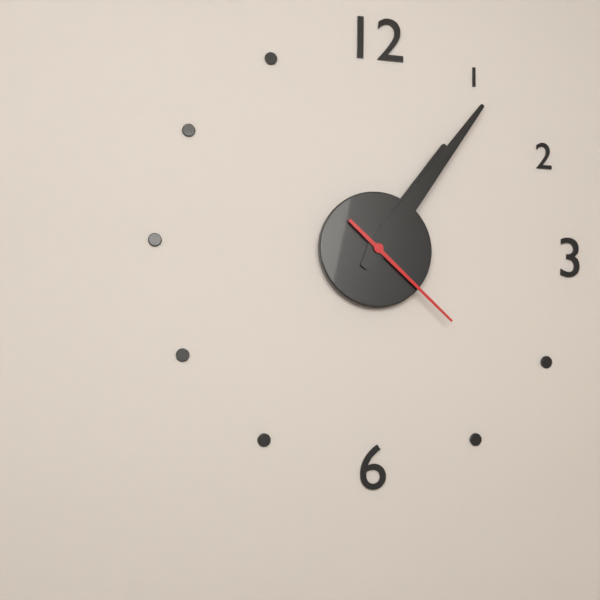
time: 1:06:22
